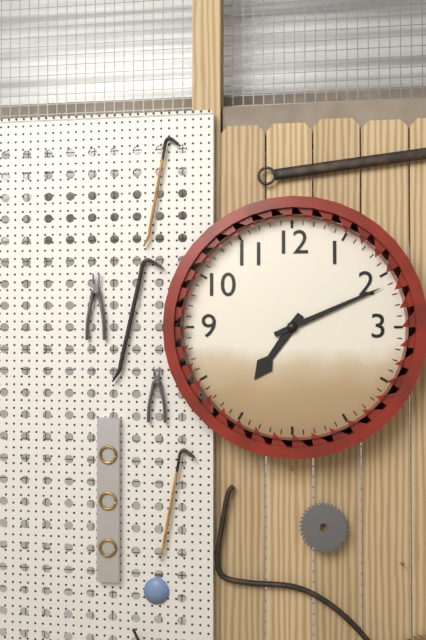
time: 7:11
